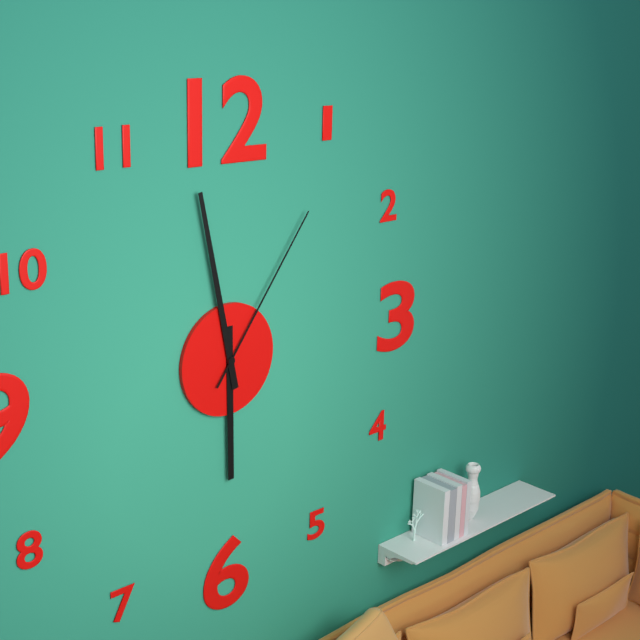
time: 5:58:06
